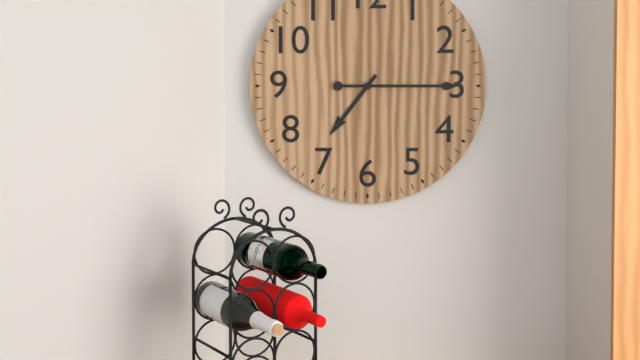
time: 7:15
